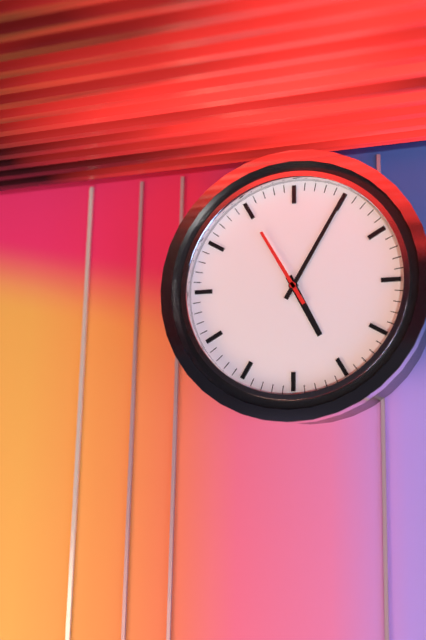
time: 5:05:55
